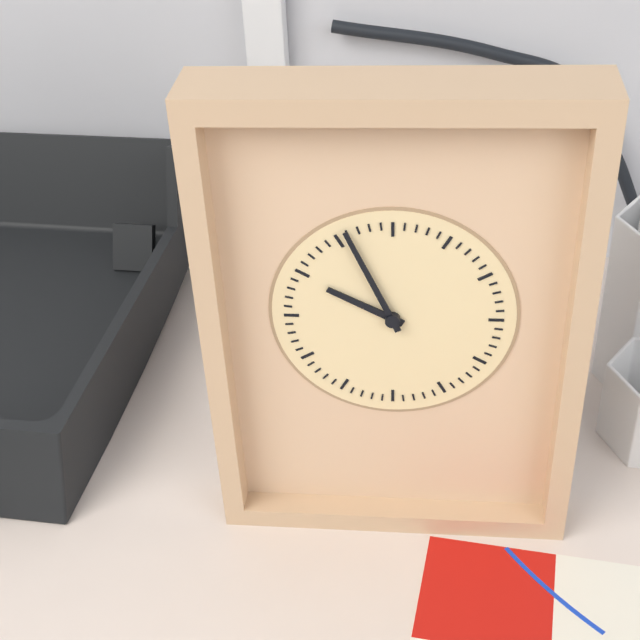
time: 9:56
